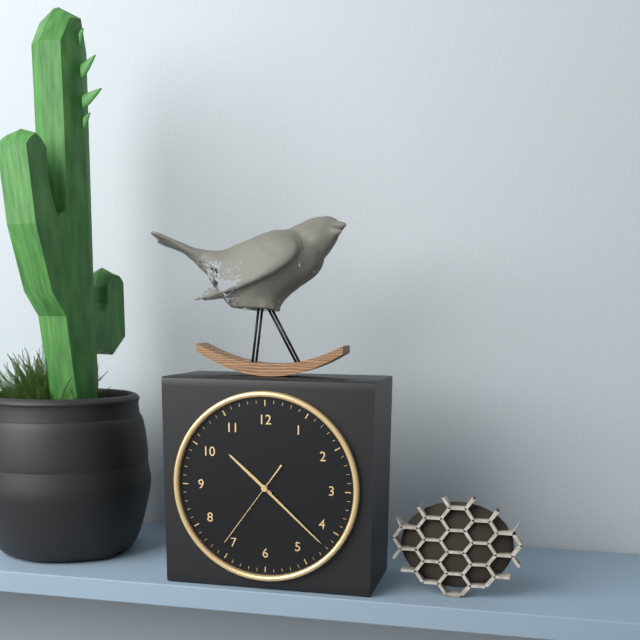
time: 10:22:36
